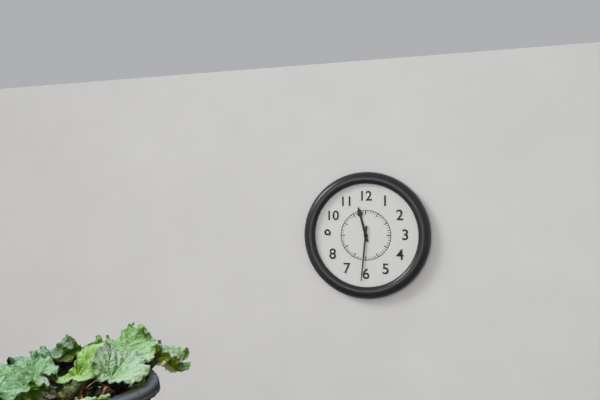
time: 11:31
